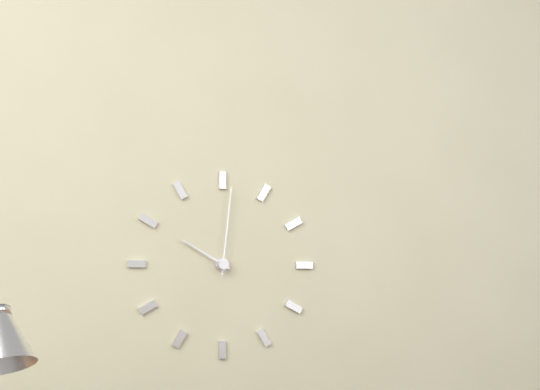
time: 10:01
